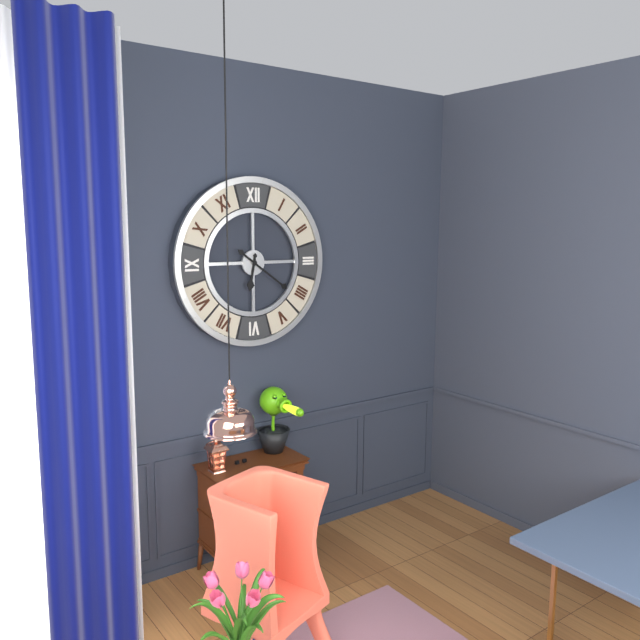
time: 6:21
